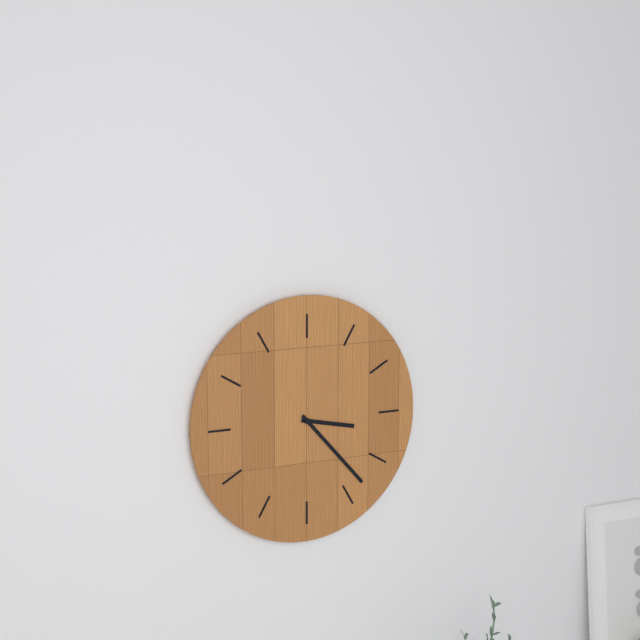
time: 3:23
